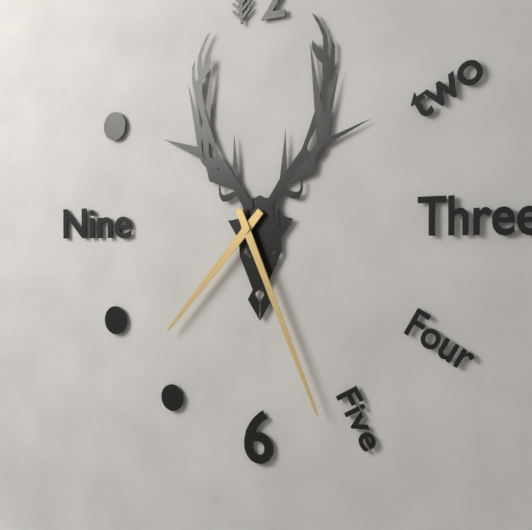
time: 7:26
